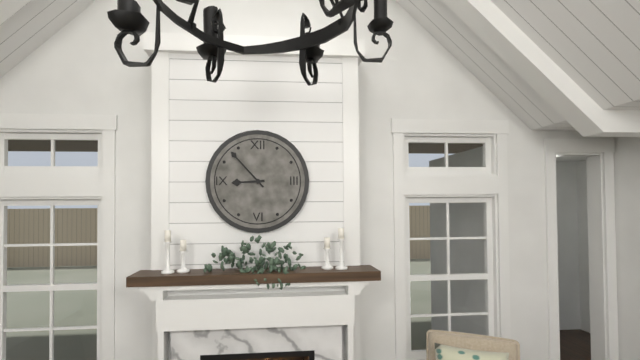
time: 8:53
